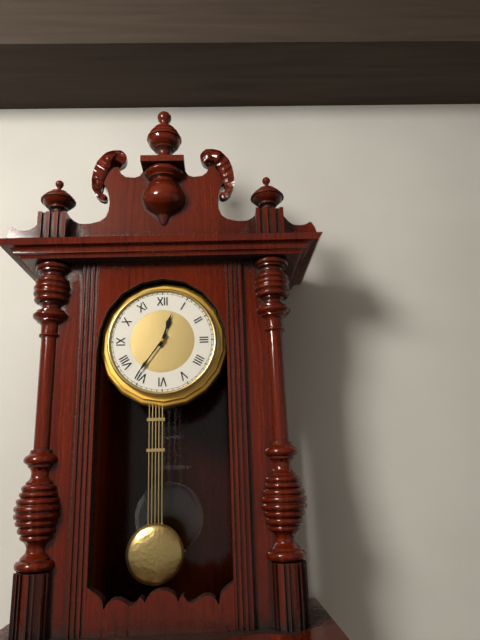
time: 12:36
